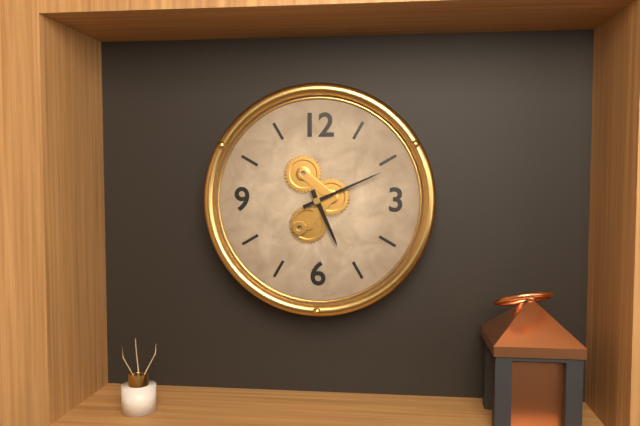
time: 5:11
